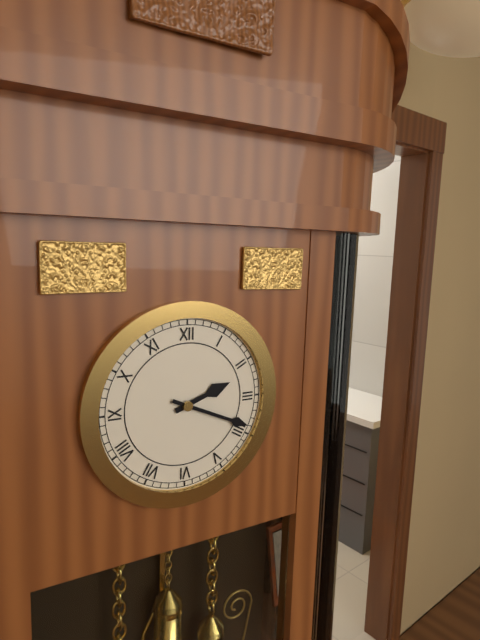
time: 2:19
